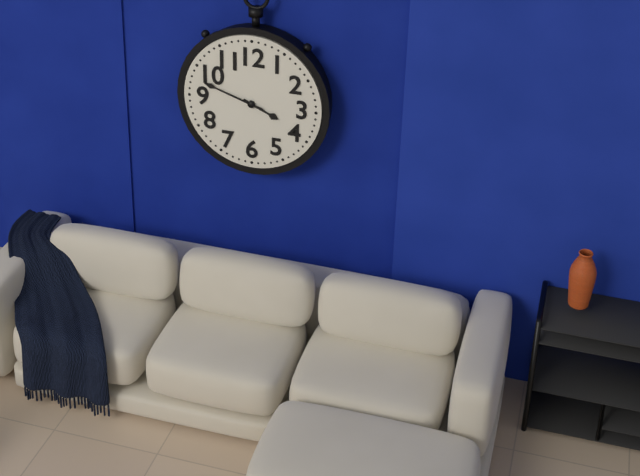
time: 3:48
